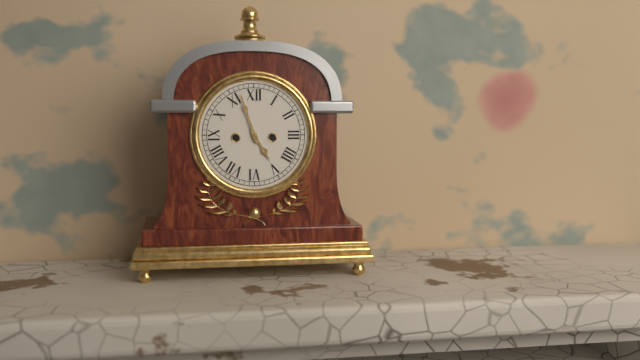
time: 4:57
